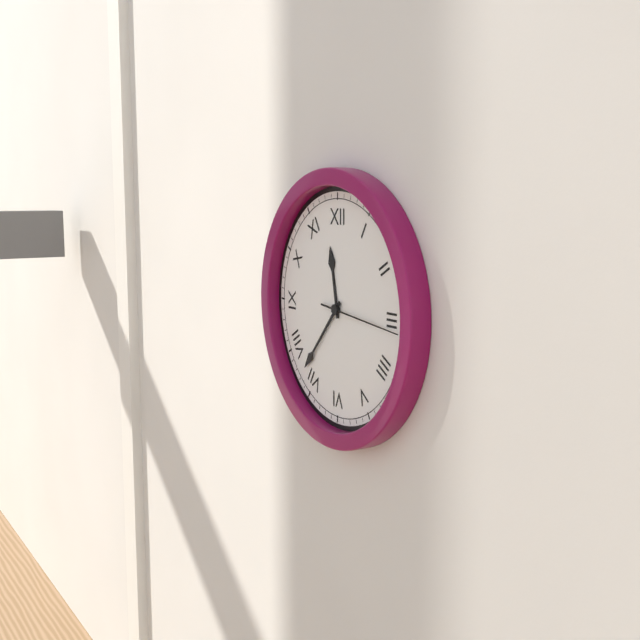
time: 11:37:16
